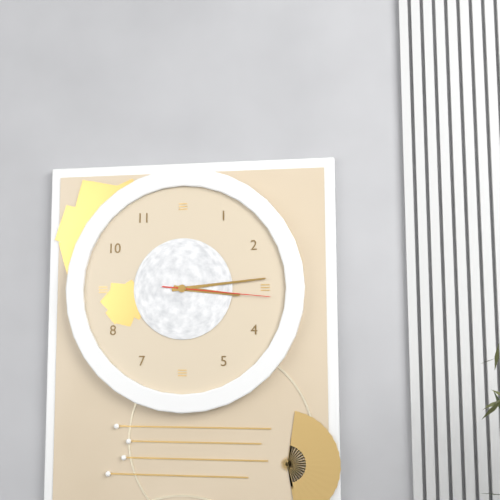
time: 3:14:16
